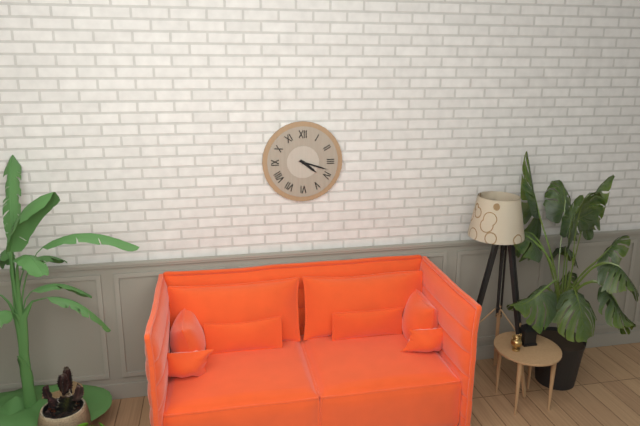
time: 4:18
